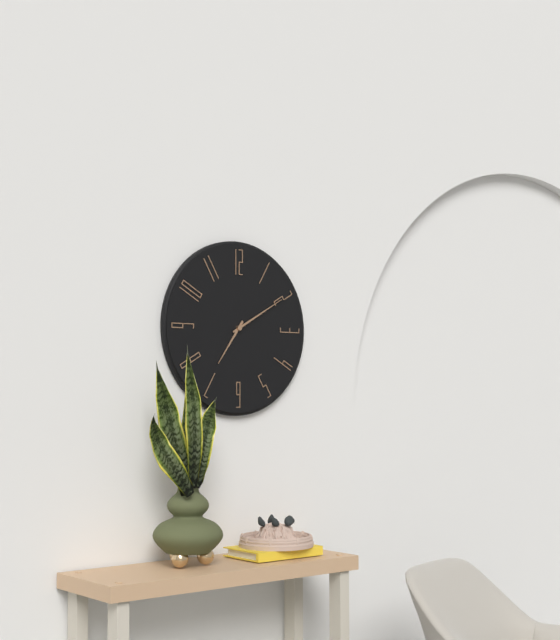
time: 7:10
